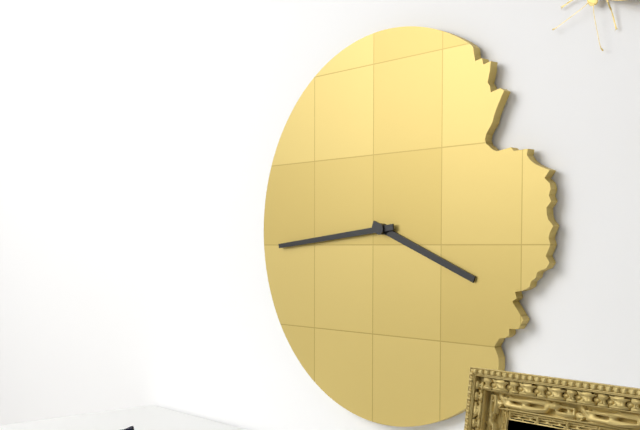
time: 3:44
